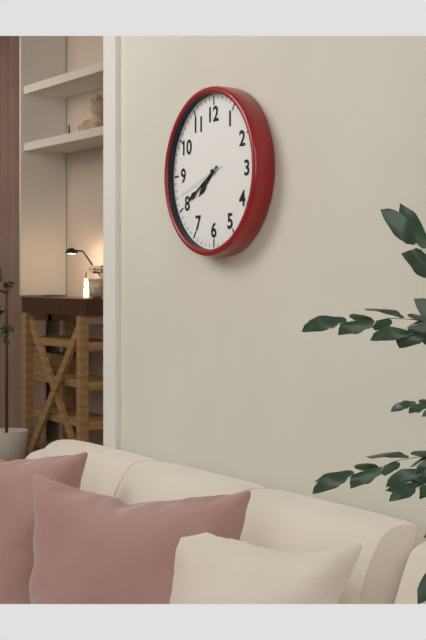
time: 7:40:42
